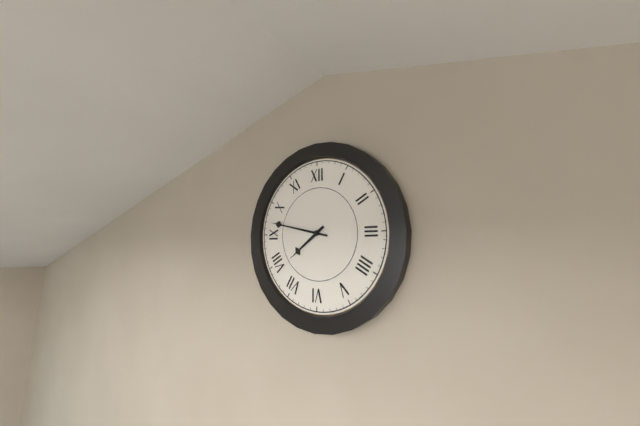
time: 7:47
